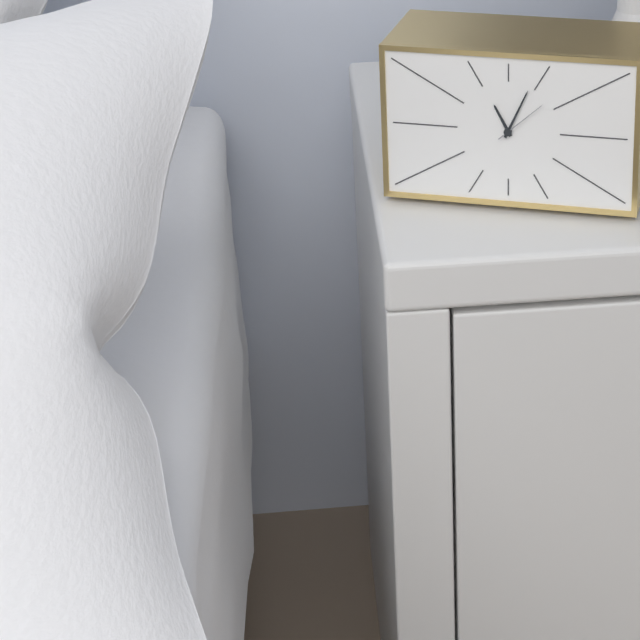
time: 11:04:08
